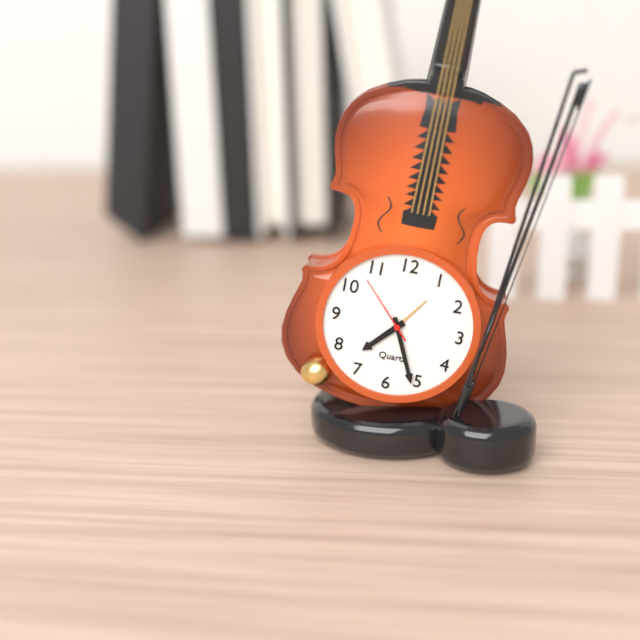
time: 7:26:53
